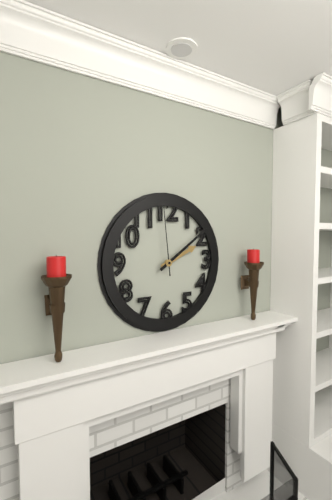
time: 2:09:59
